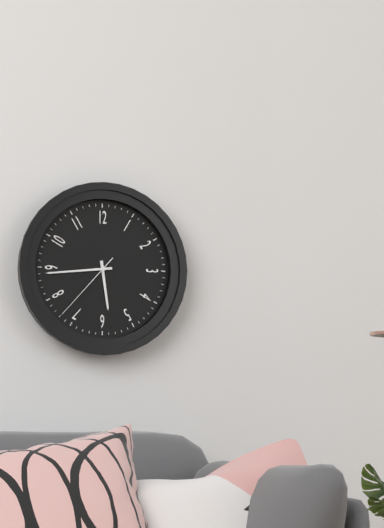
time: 5:44:37
